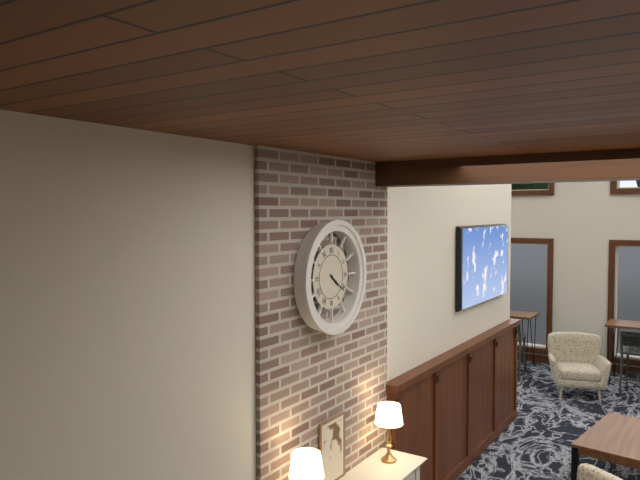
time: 4:21
